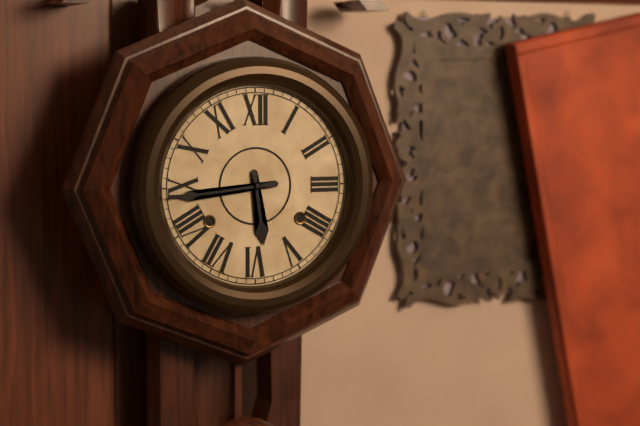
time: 5:44
